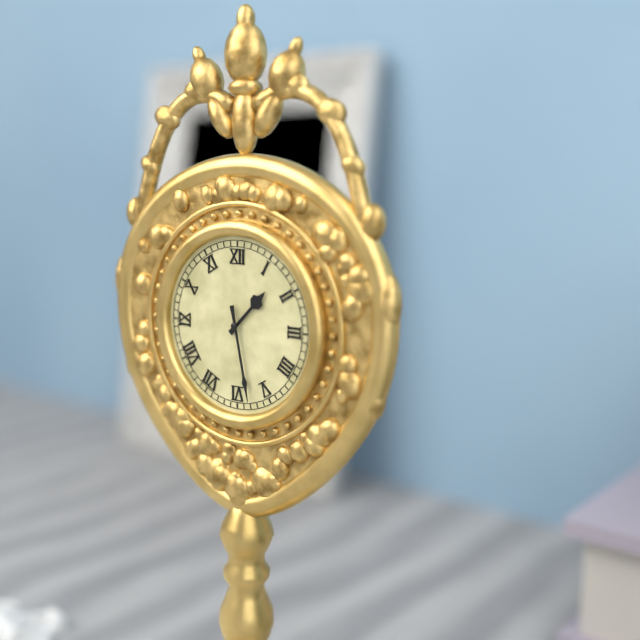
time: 1:28
